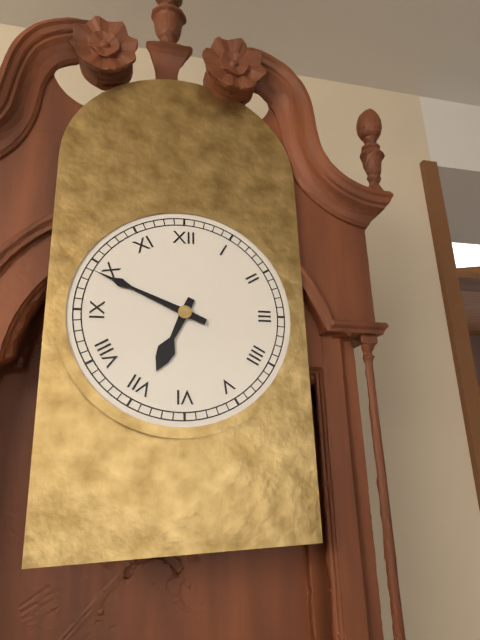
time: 6:49
